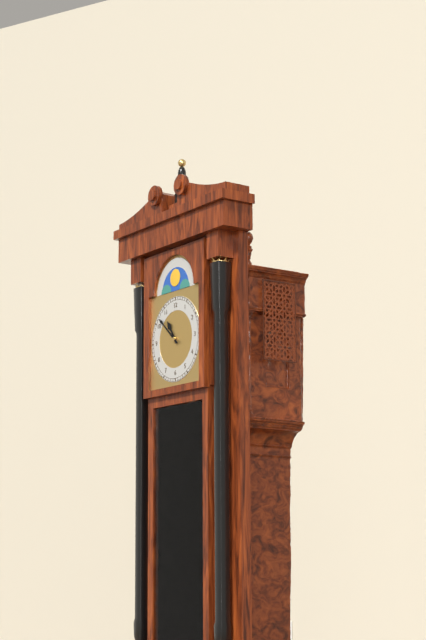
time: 10:52
